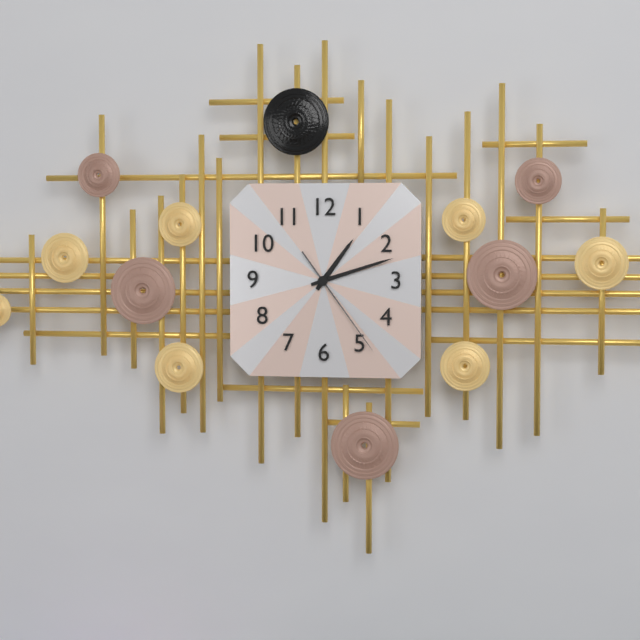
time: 1:12:24
